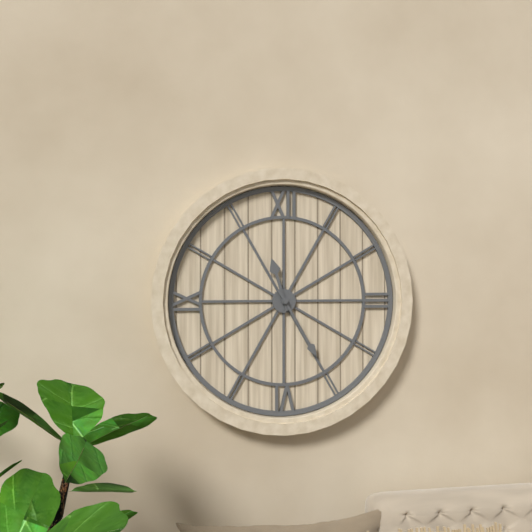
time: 11:25
